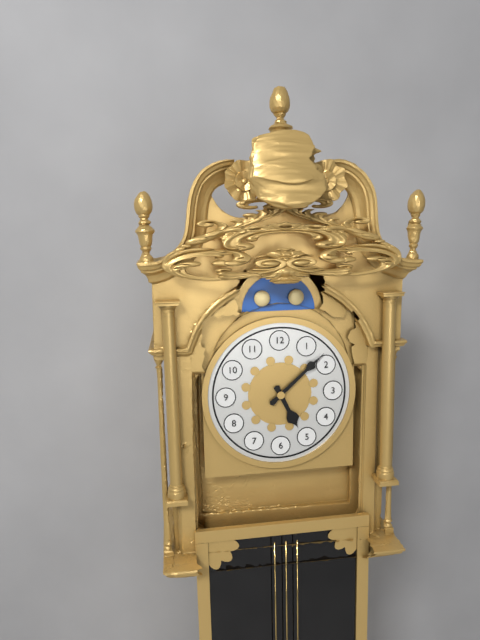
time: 5:08
